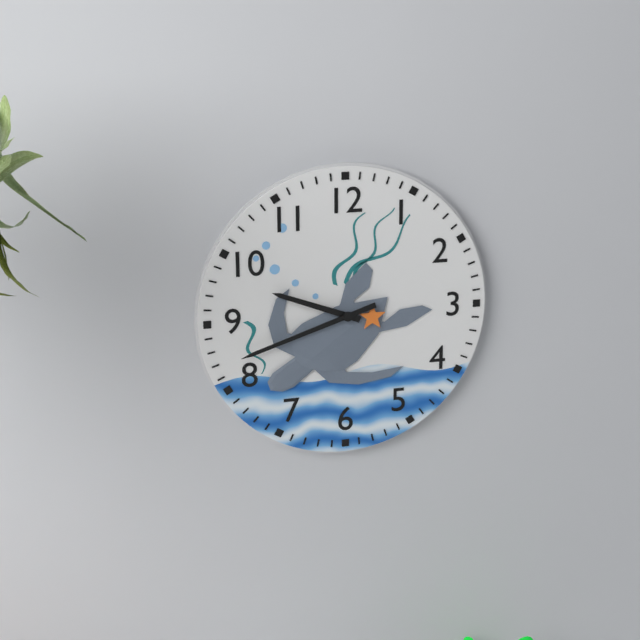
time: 9:42
